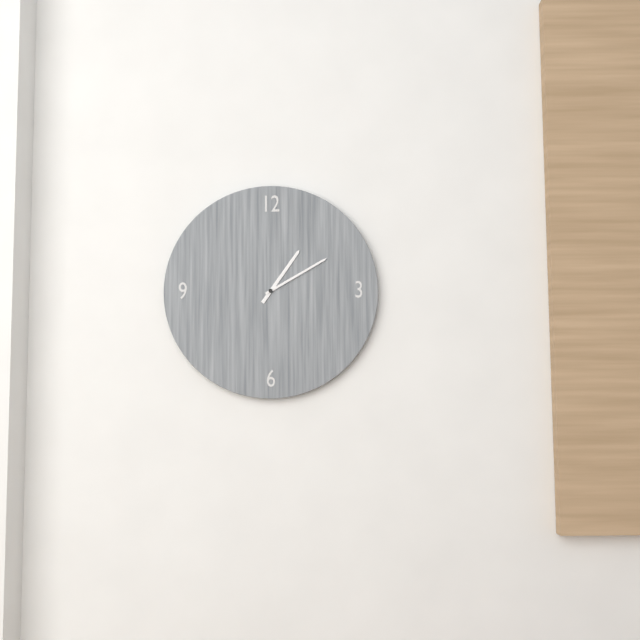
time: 1:10
